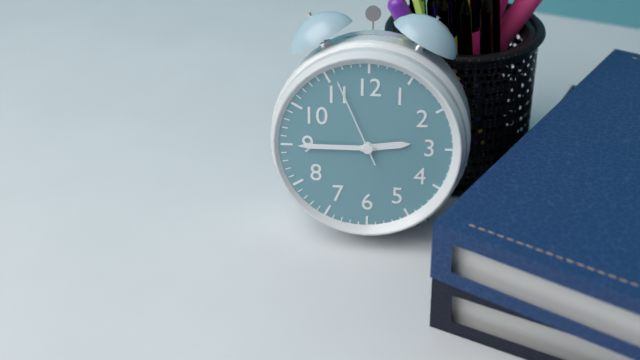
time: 2:45:56
